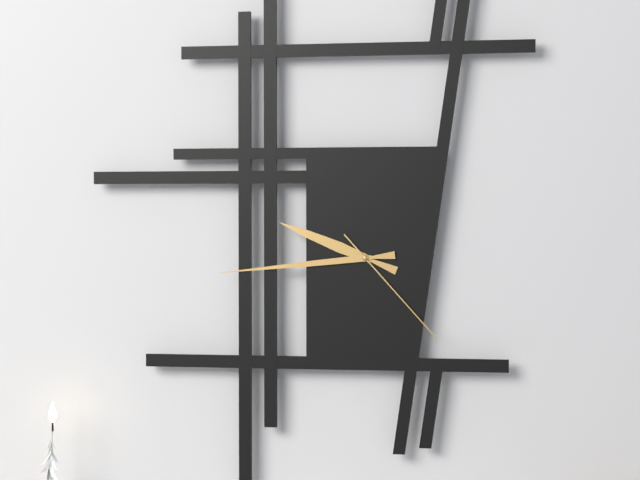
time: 9:44:23
